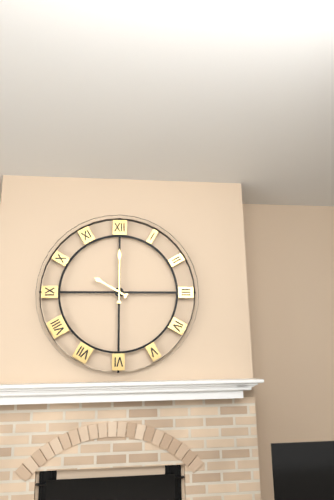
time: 10:00
